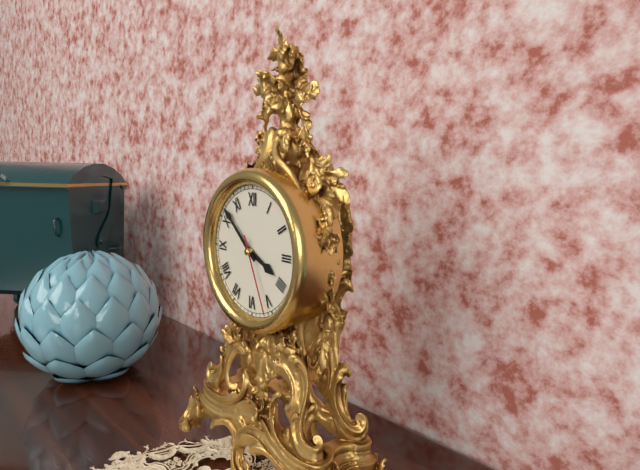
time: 3:52:26
